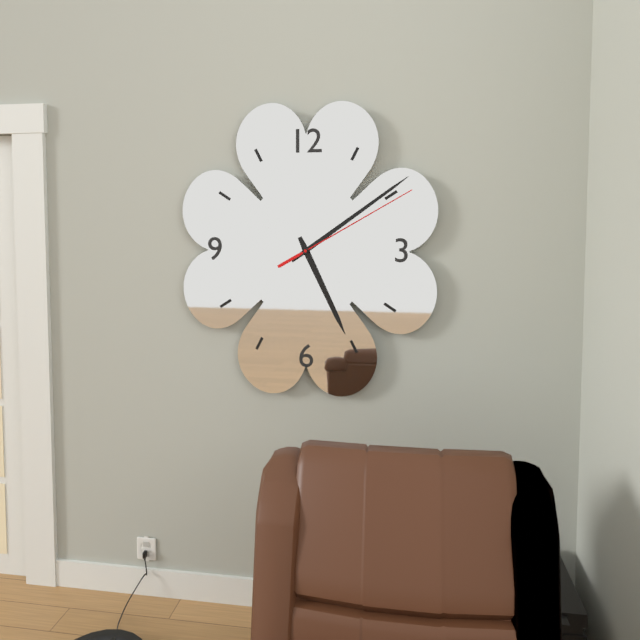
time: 5:09:10
